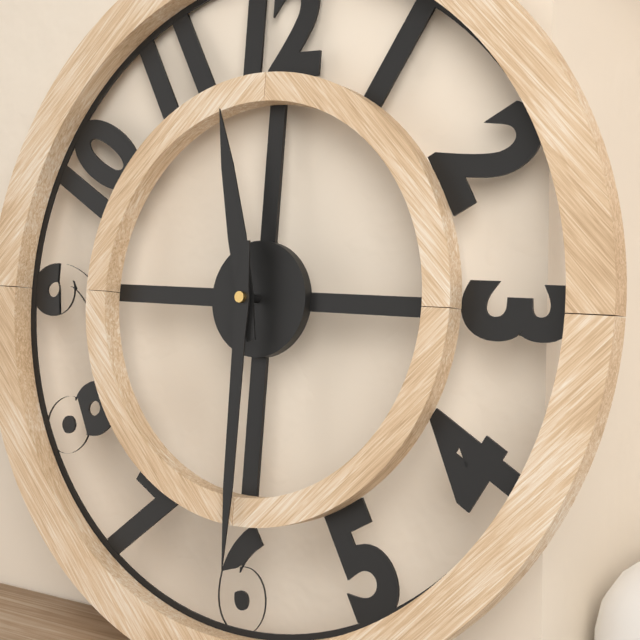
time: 11:30
